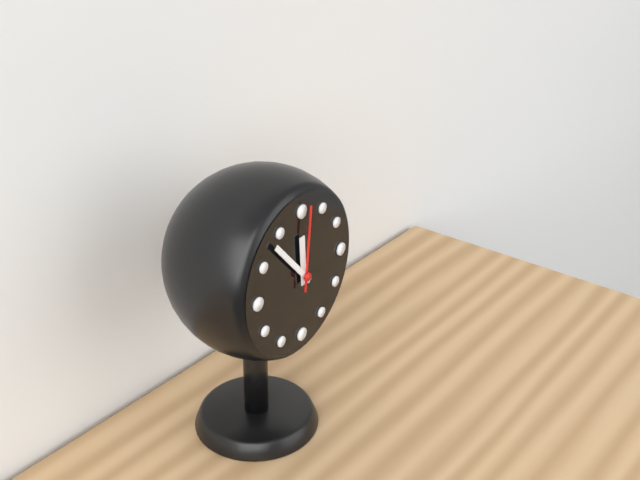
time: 11:53:01
